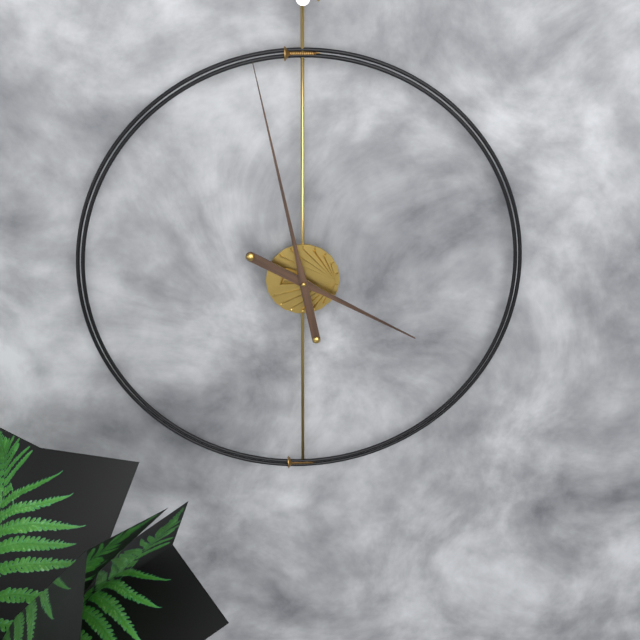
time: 3:58
